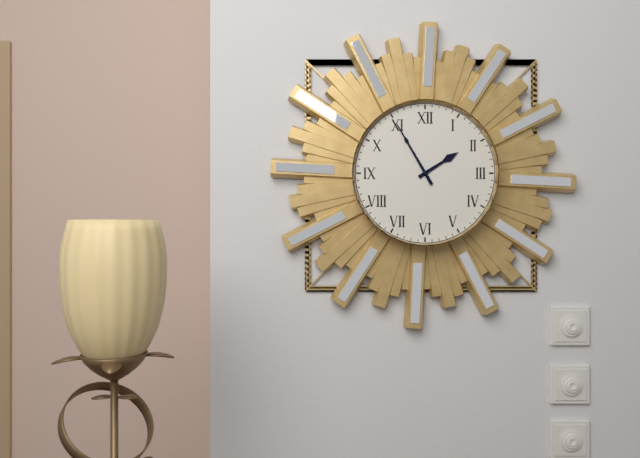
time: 1:55
